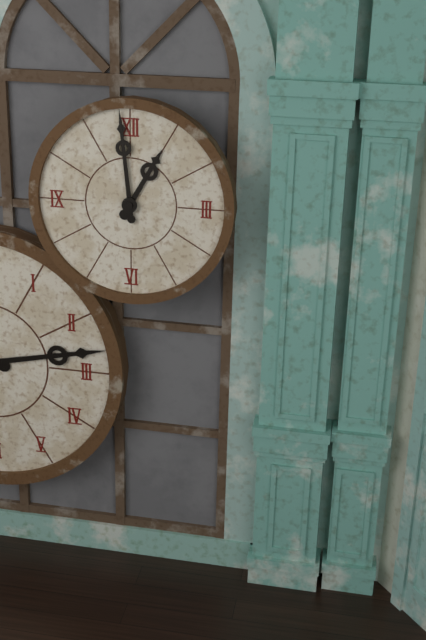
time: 12:59
